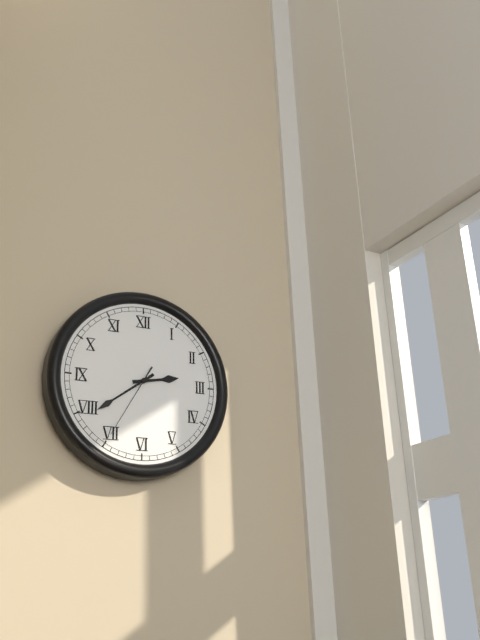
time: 2:39:35
